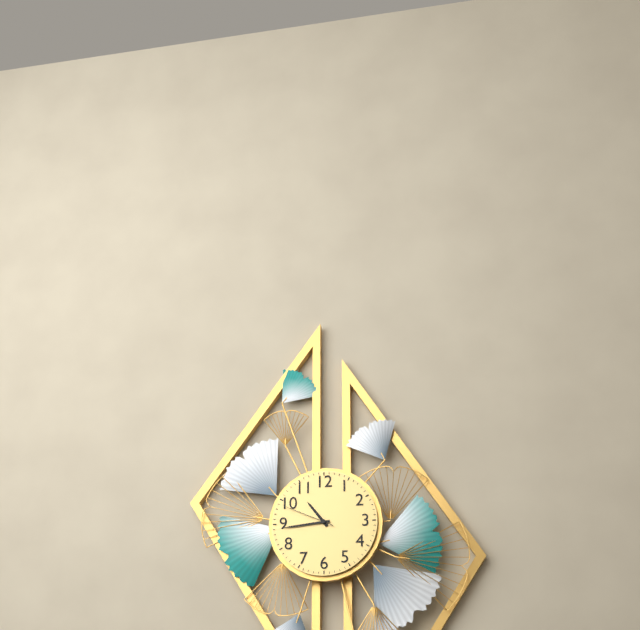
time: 10:44:49
